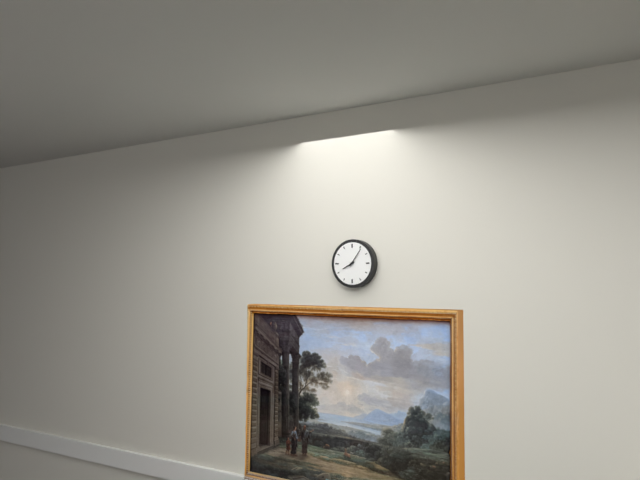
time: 8:06
